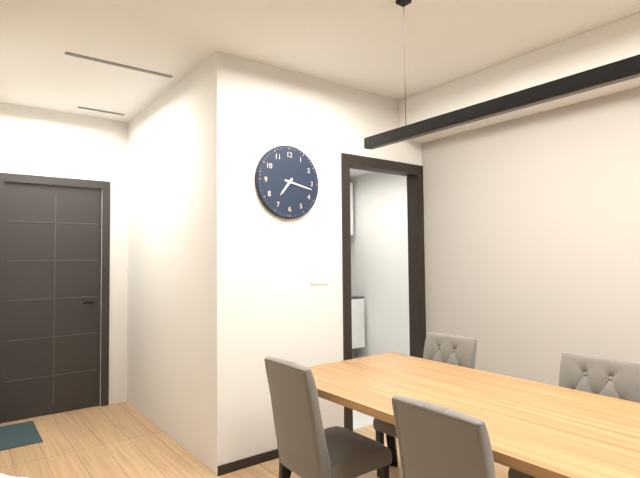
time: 7:17
